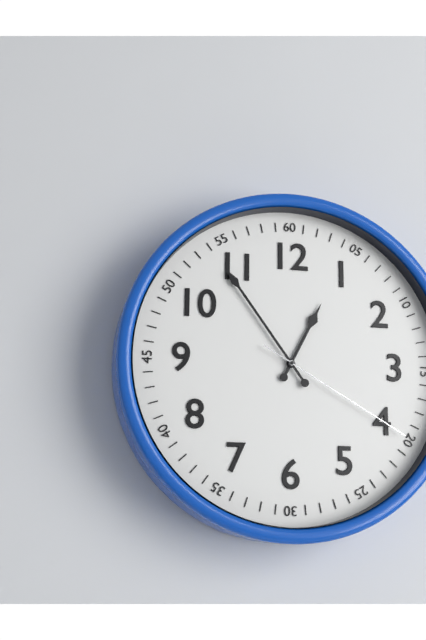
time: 12:54:20
